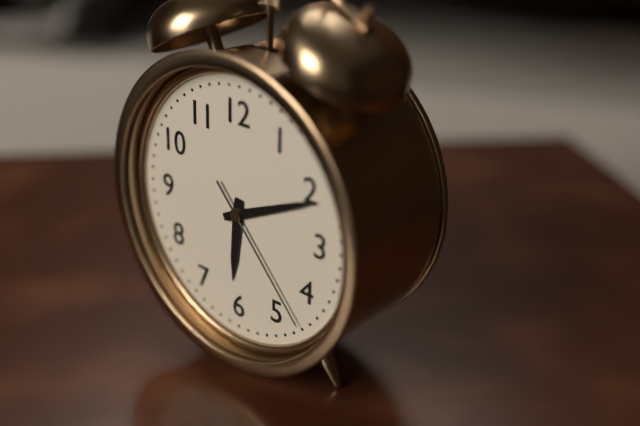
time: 6:11:23
